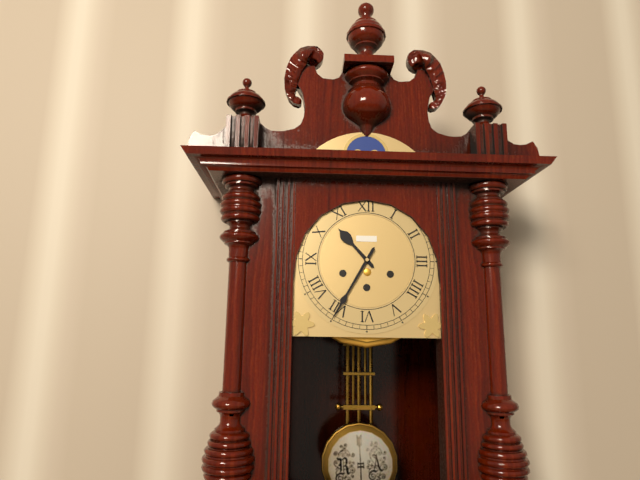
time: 10:35
